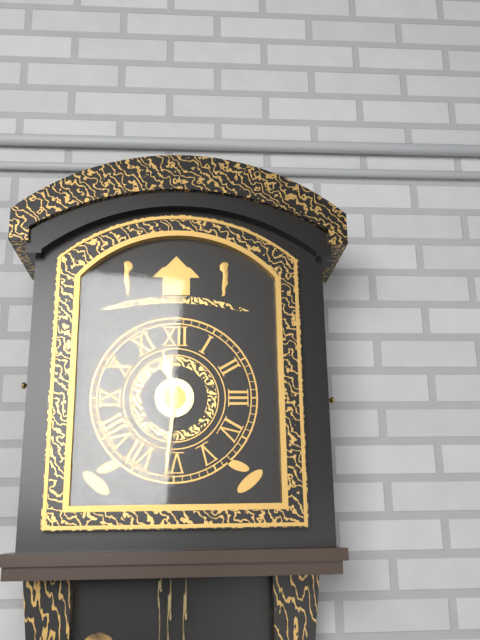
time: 11:31
